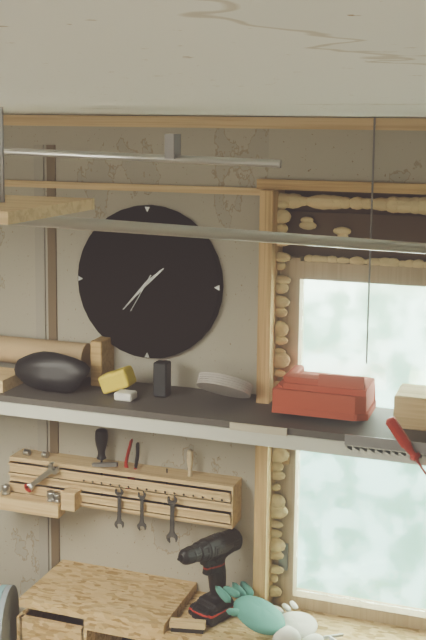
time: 1:37
